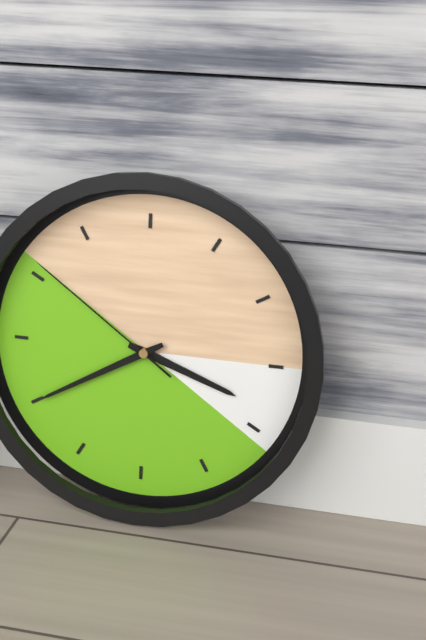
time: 3:40:51
